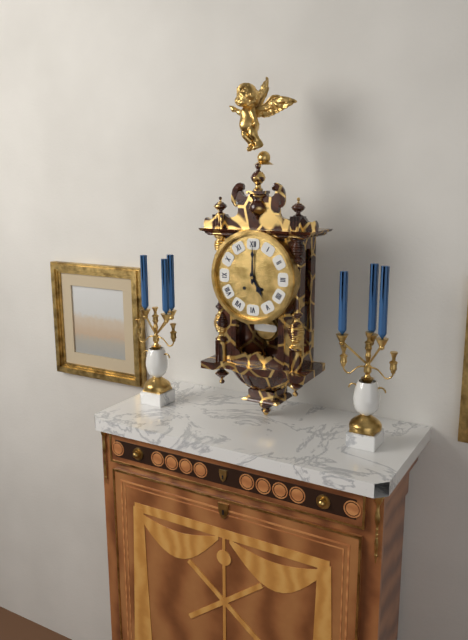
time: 5:00
